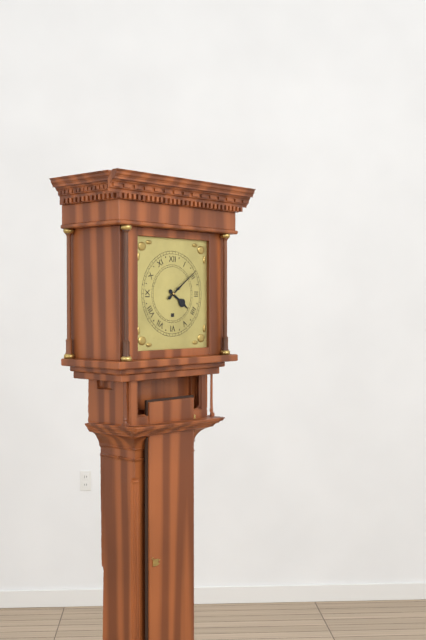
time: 4:09
